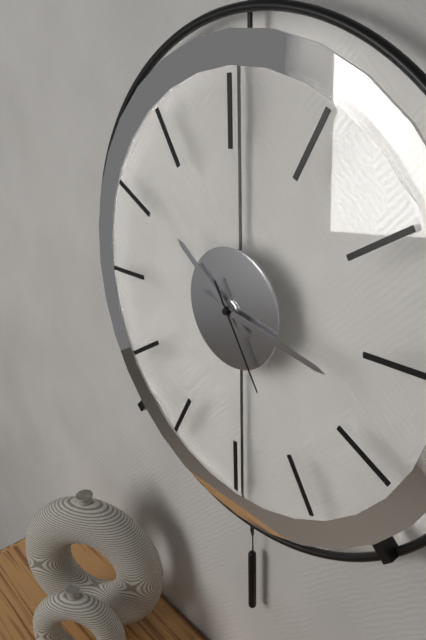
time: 10:17:25
